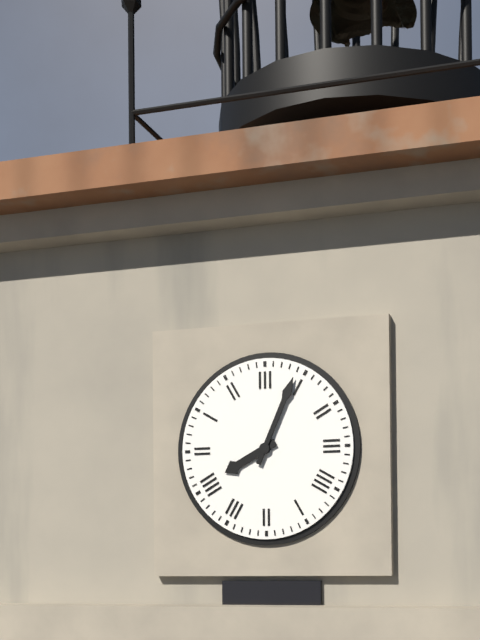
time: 8:04
